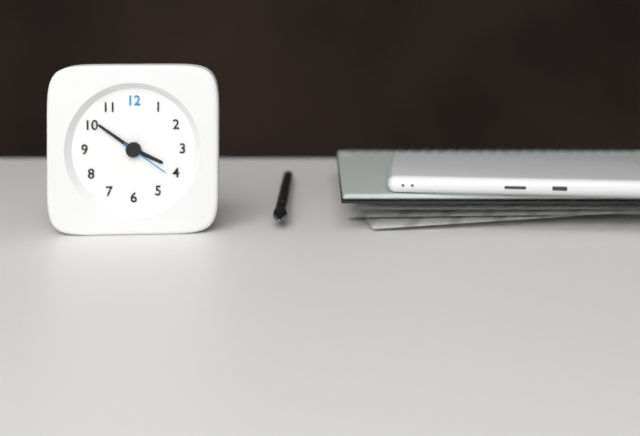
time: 3:51:21
